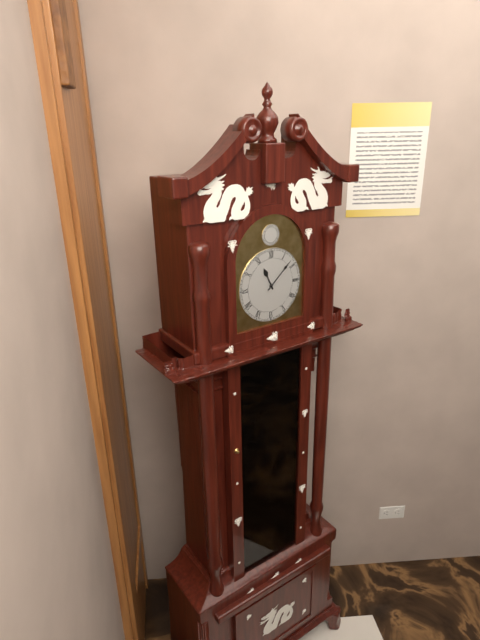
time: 11:08
